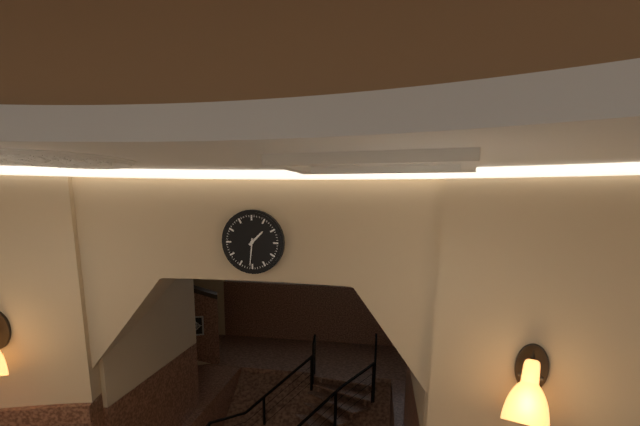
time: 1:31
